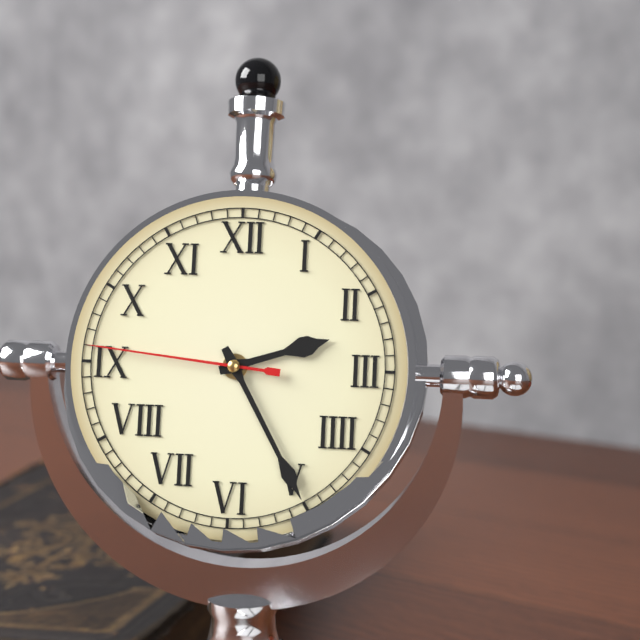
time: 2:25:46
